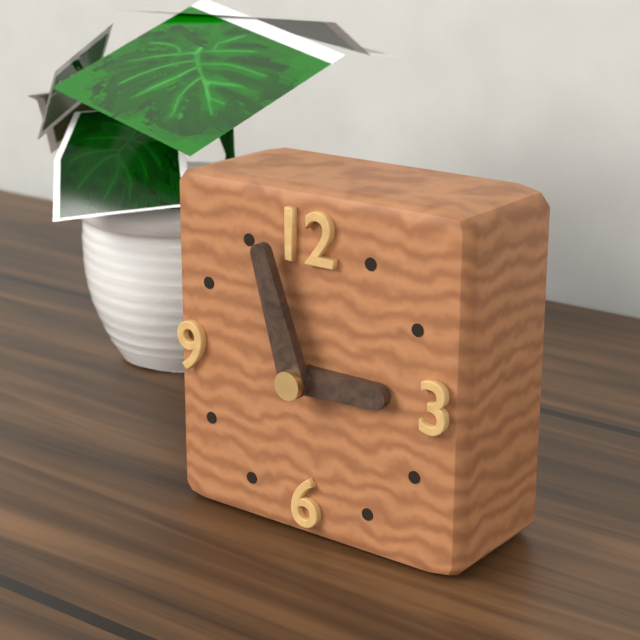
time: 2:57
